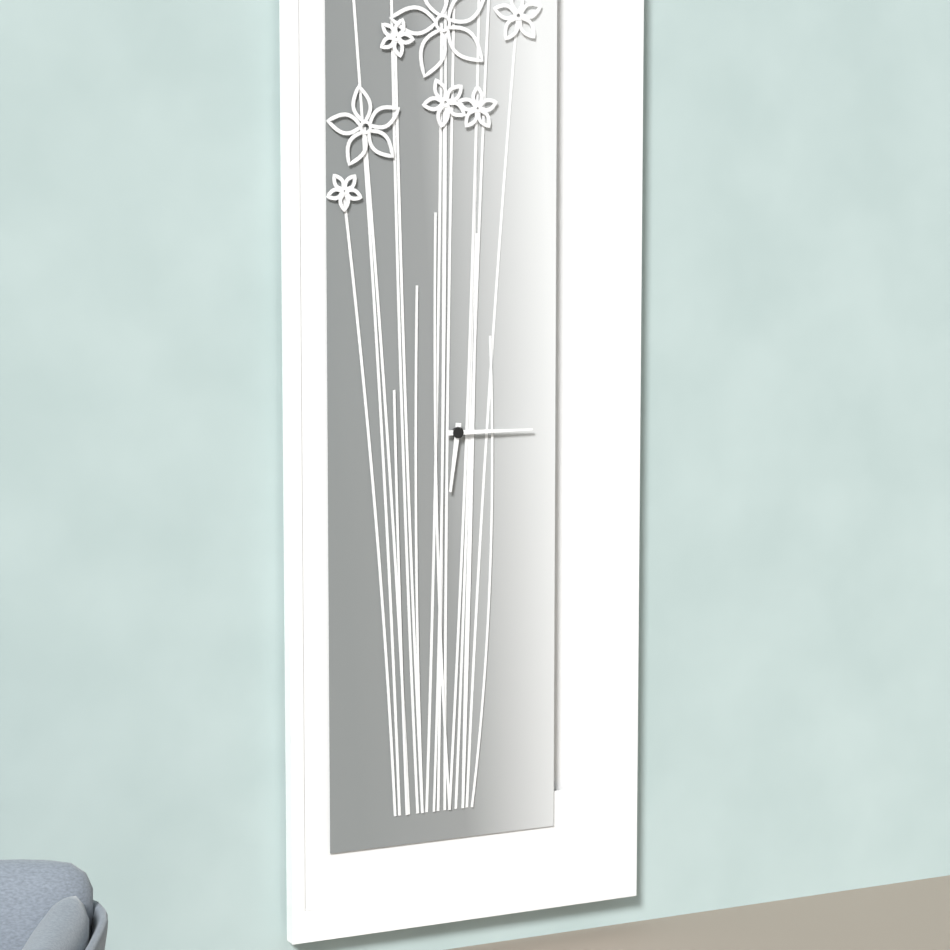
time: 6:15
